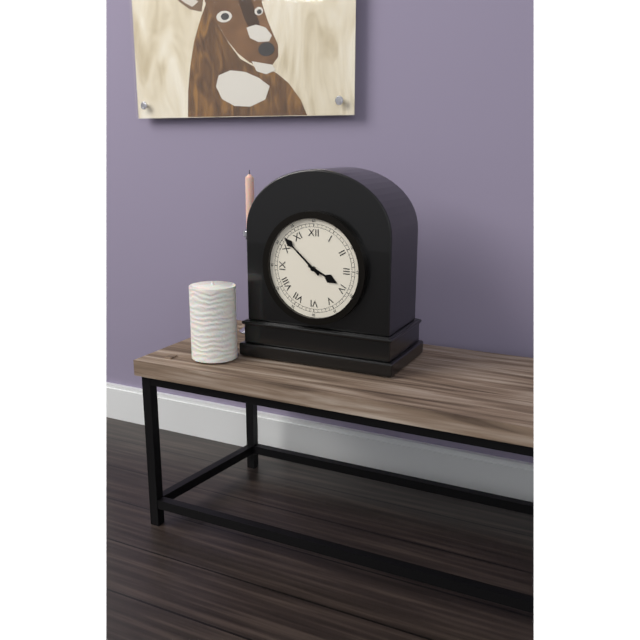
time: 3:52
